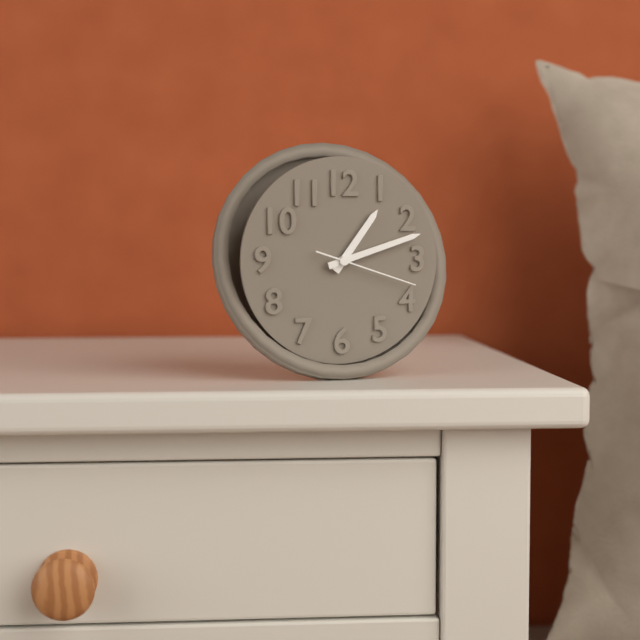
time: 1:12:18
